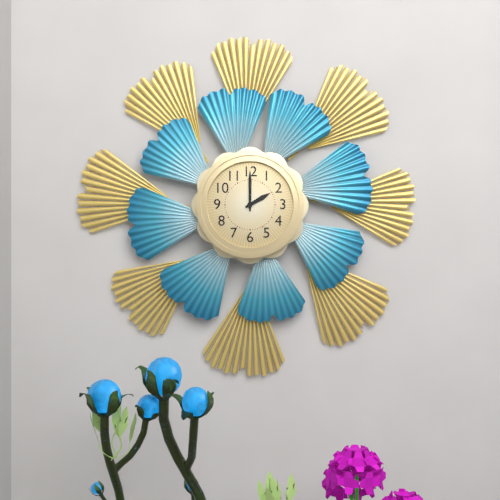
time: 2:00
